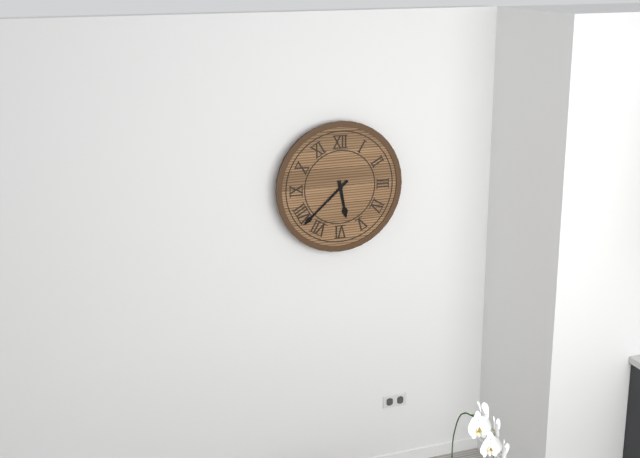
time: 5:38
